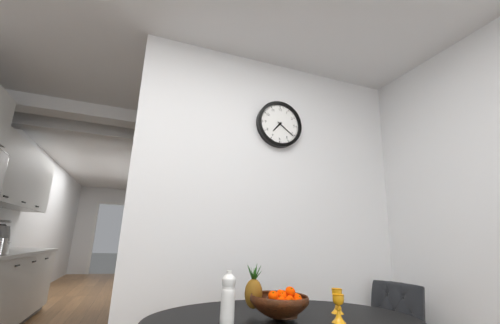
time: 7:21
